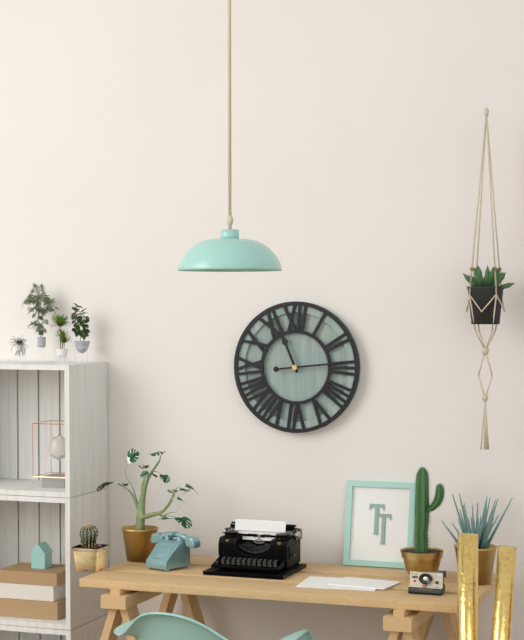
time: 11:14
